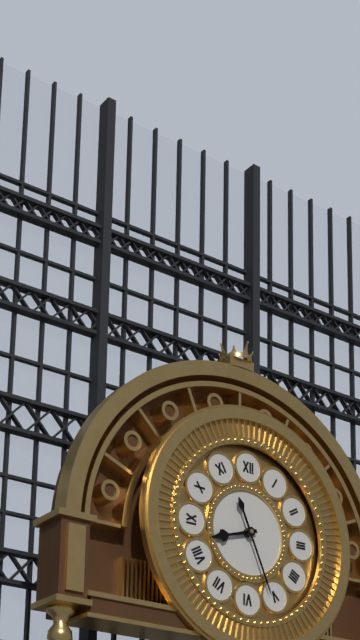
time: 8:26
